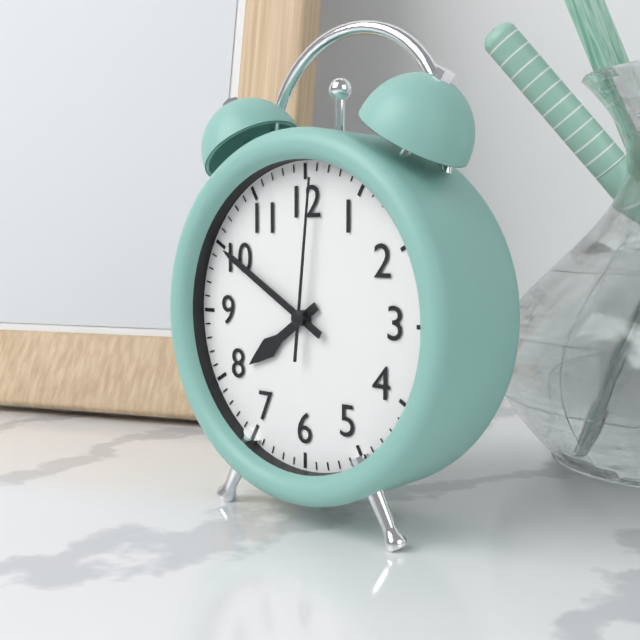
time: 7:50:01
